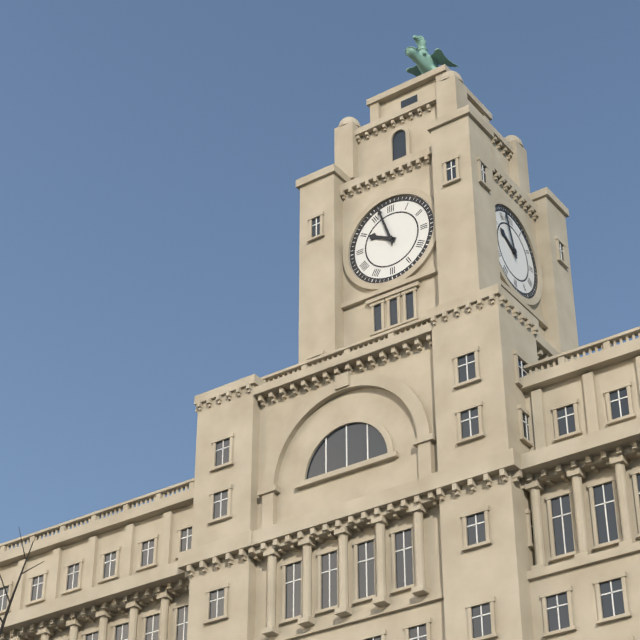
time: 9:57
